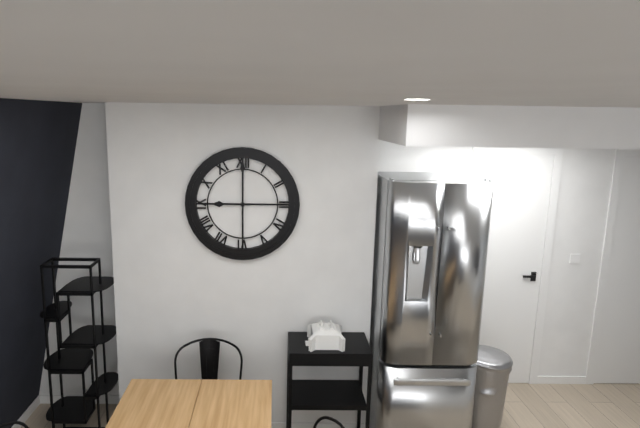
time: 9:00
